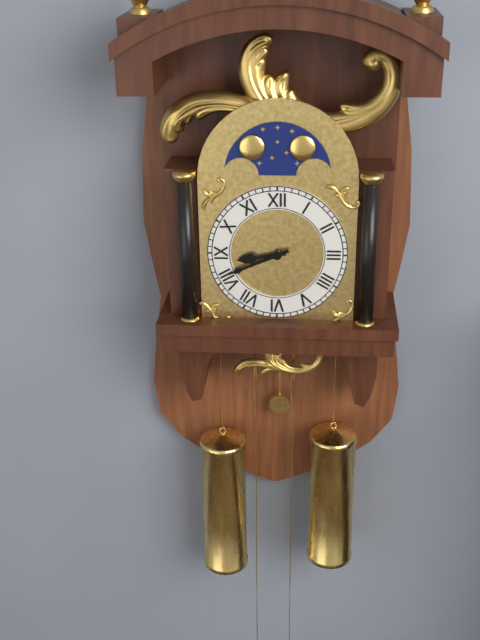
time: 8:41
